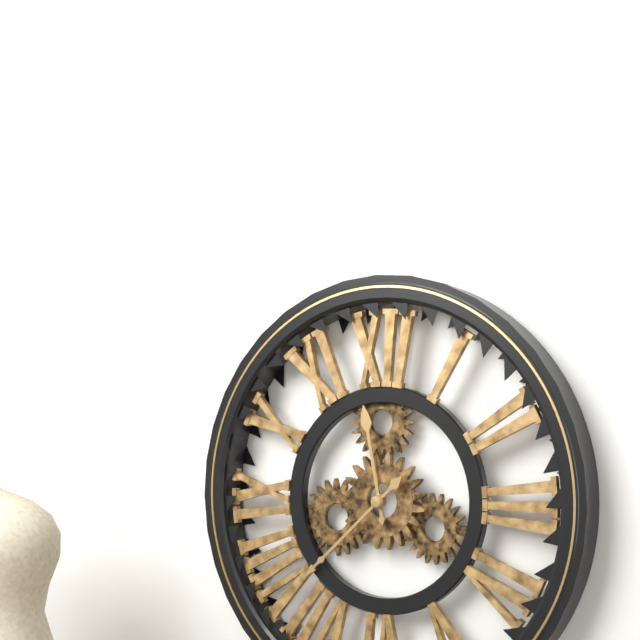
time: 11:38
